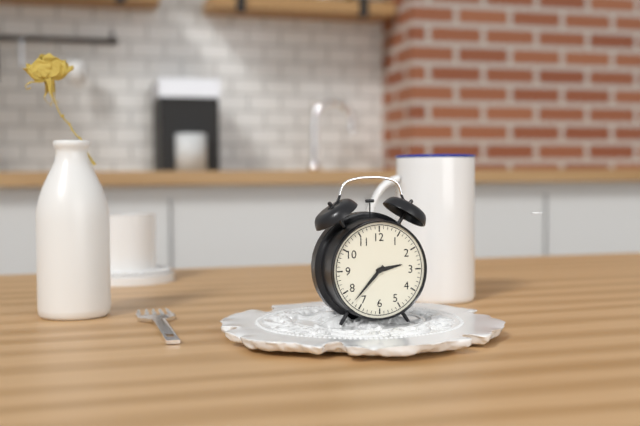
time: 2:37
